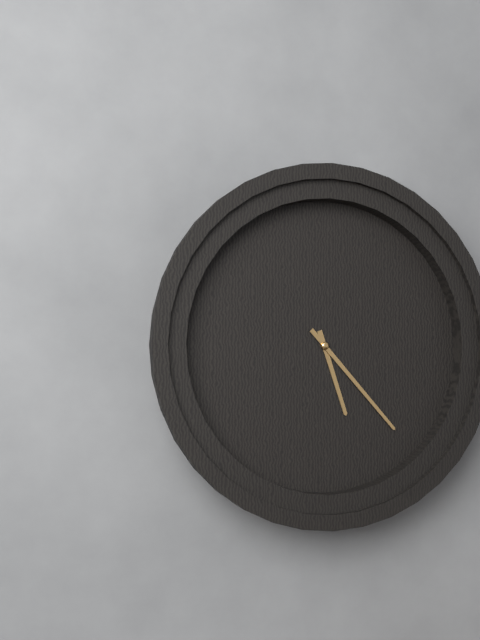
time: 5:23
